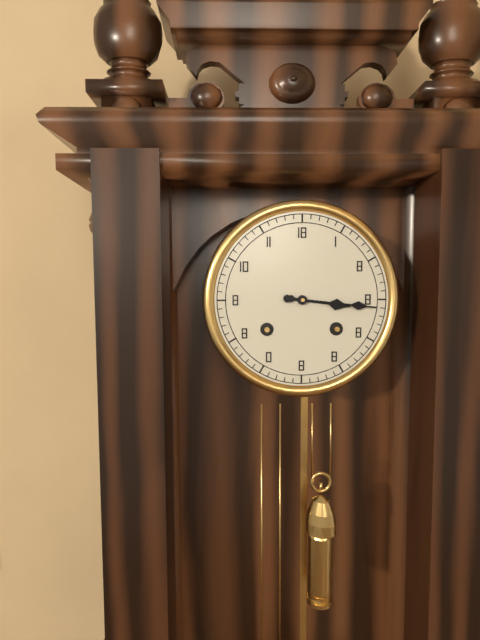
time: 3:16
